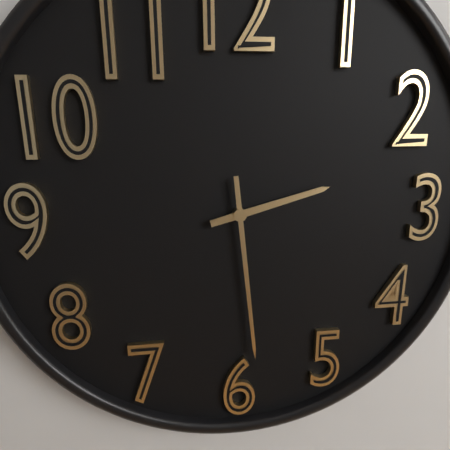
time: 2:29
